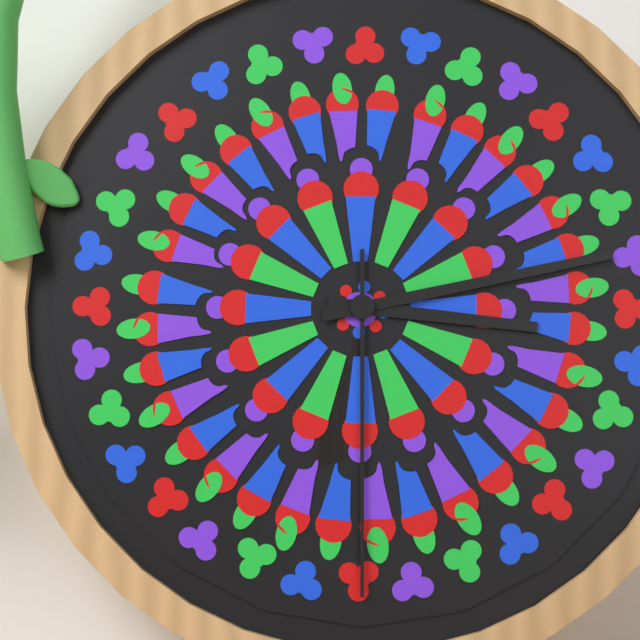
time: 3:13:30
